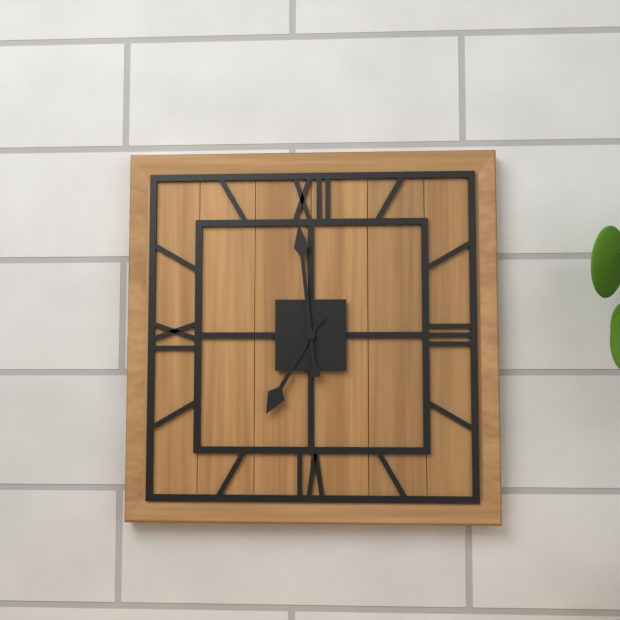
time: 6:59
